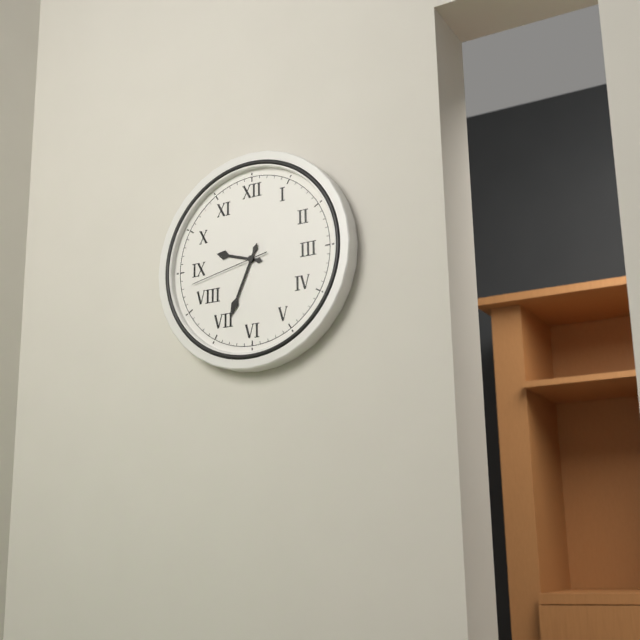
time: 9:34:43
